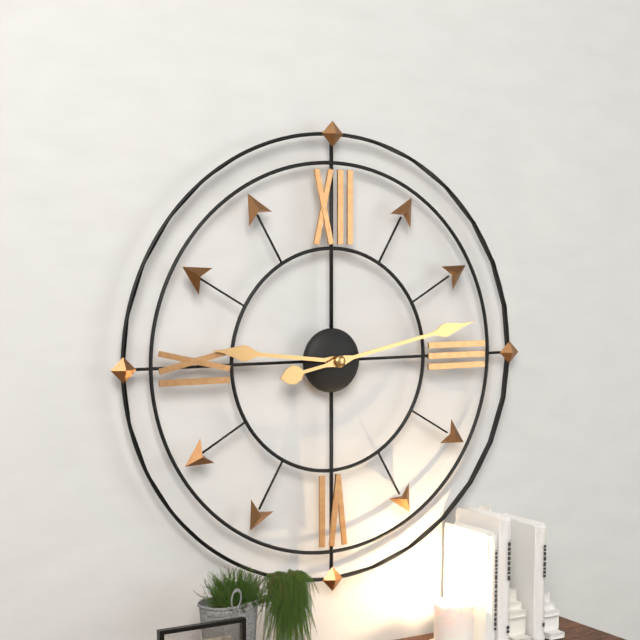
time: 9:13
